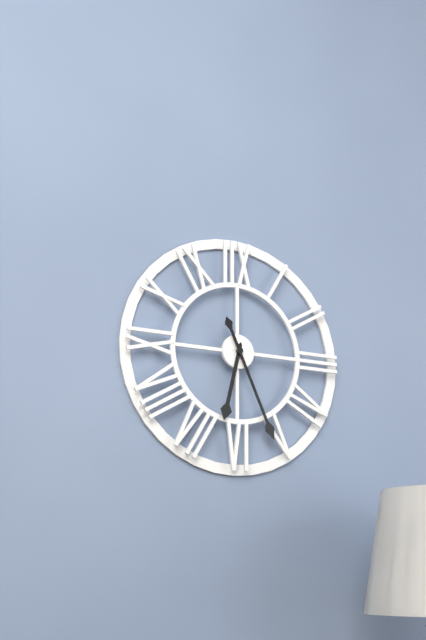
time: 6:26
